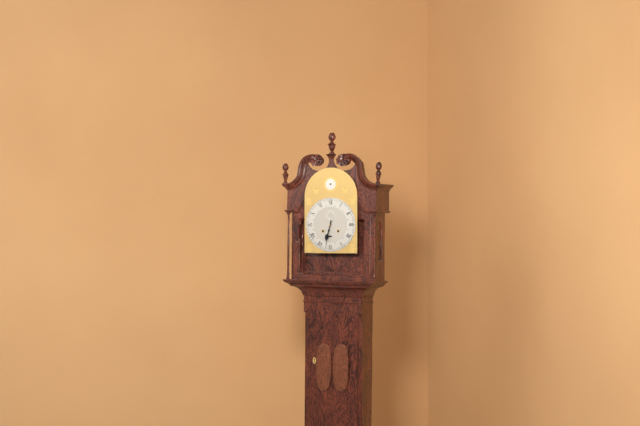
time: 6:32
